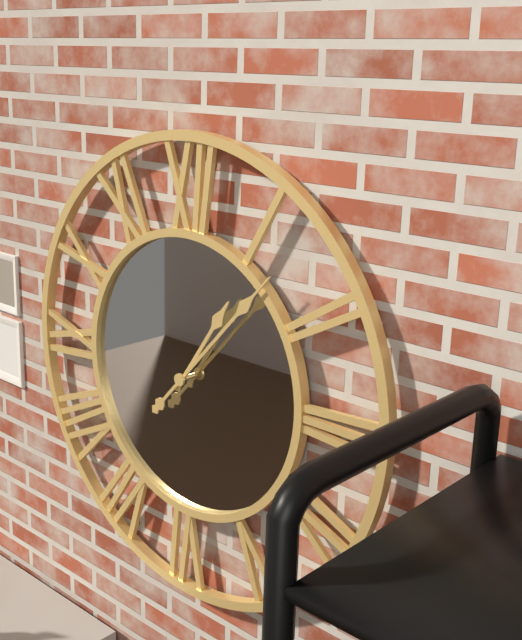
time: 1:07
